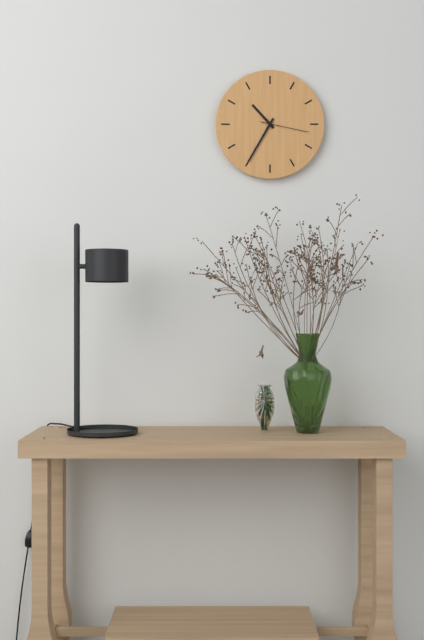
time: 10:35
